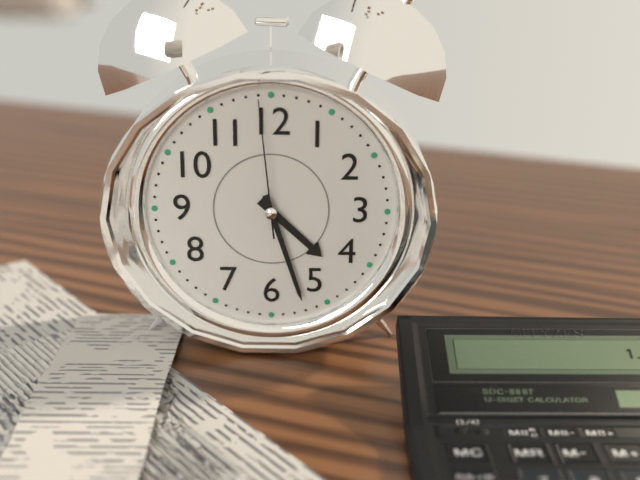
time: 4:27:59
